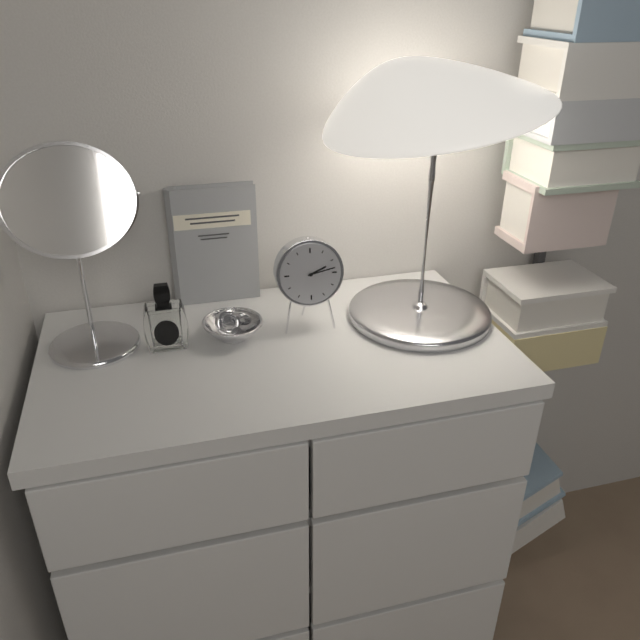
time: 2:13
